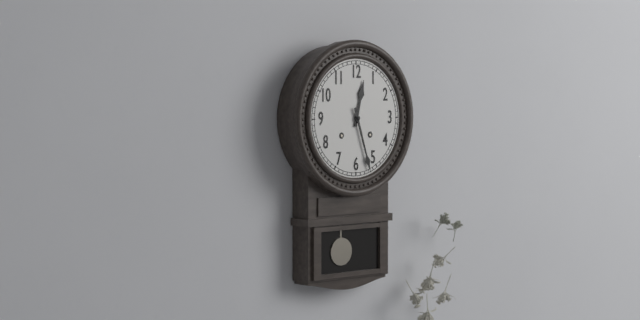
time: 12:27
